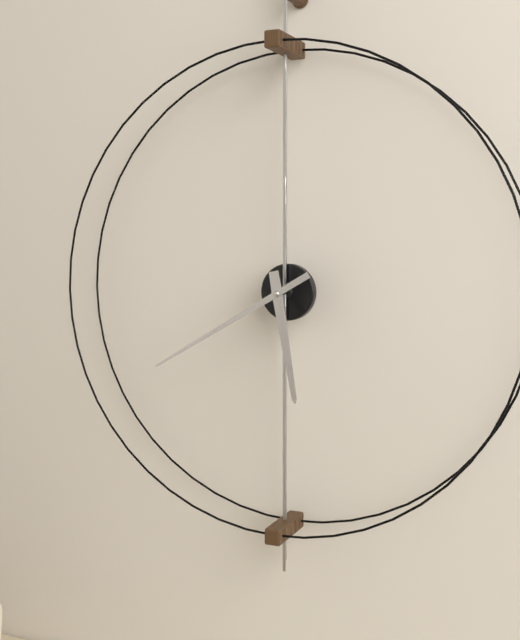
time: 5:40
